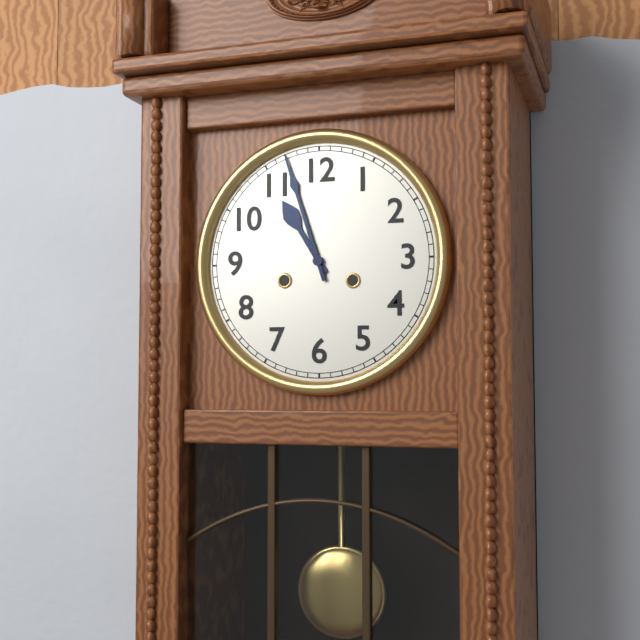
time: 10:57
